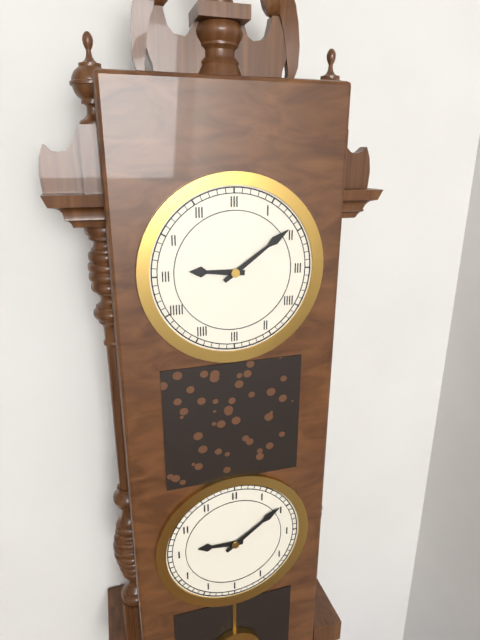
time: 9:09
